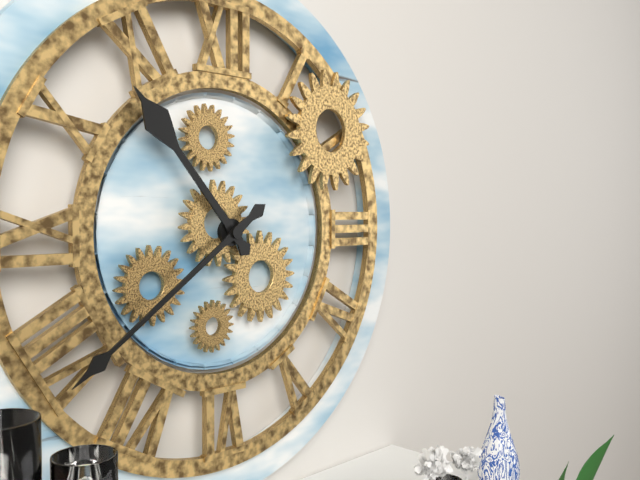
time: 10:39
